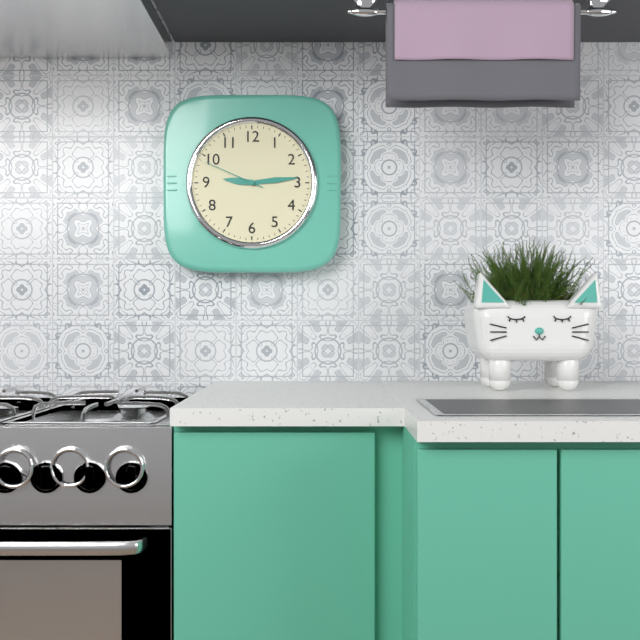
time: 9:14:49
